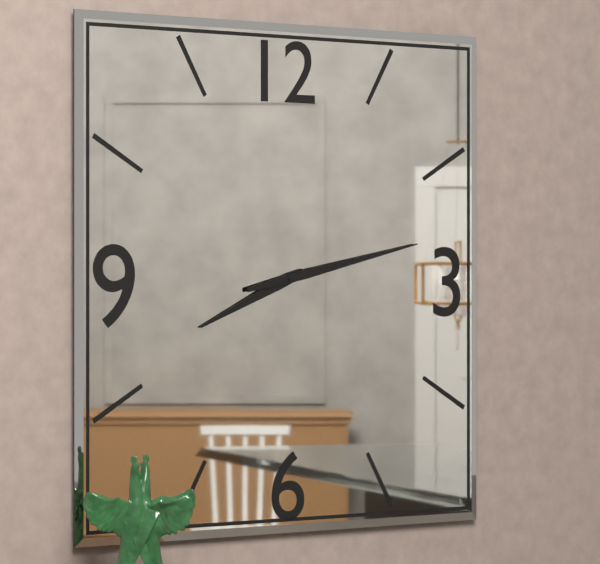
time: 8:13
